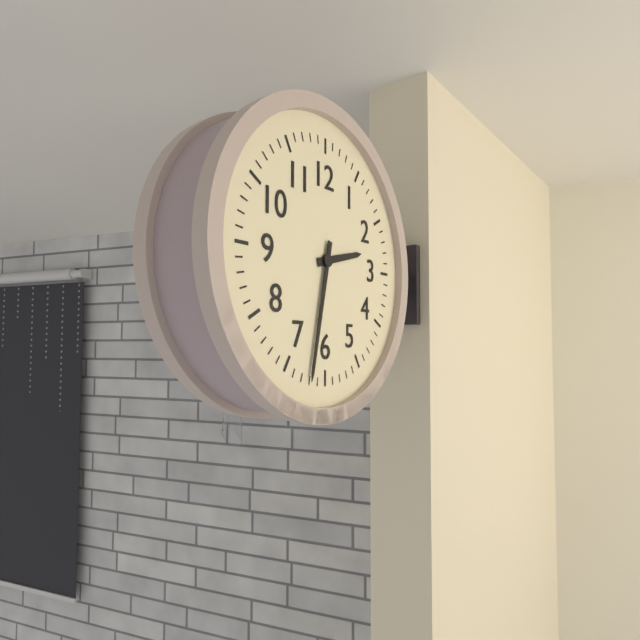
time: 2:32
